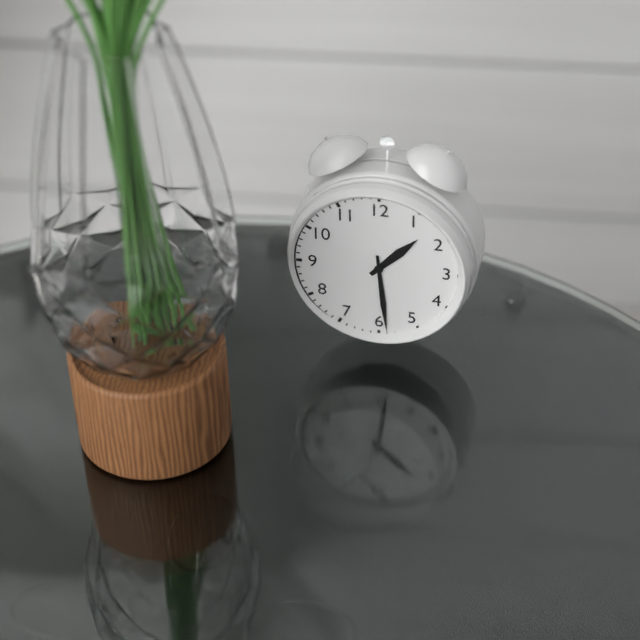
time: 1:29
